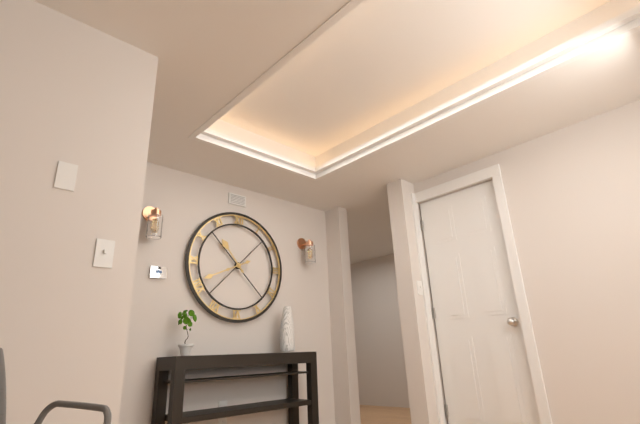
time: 10:41
